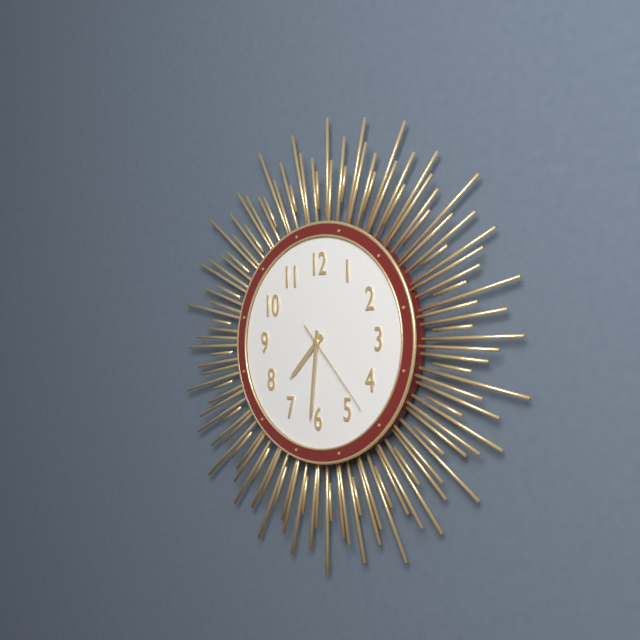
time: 7:31:23
